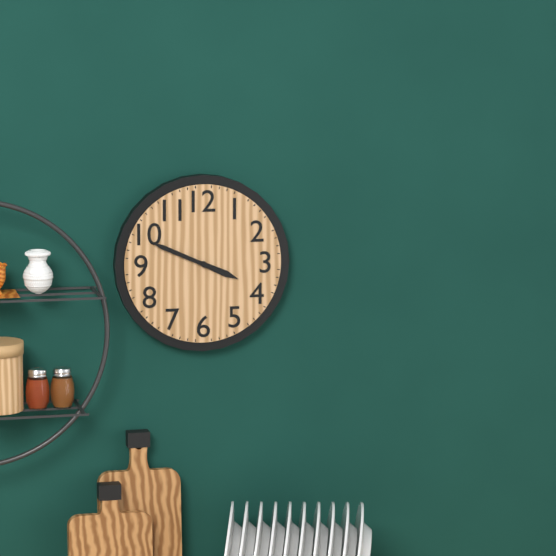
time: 3:49
